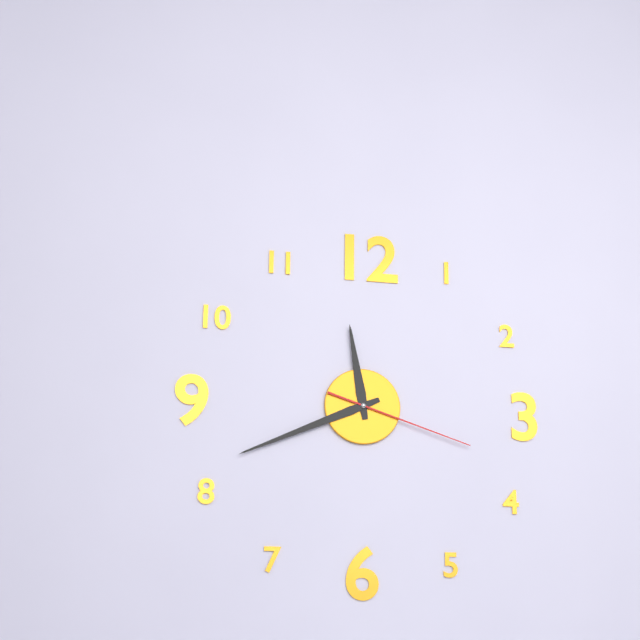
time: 11:41:18
